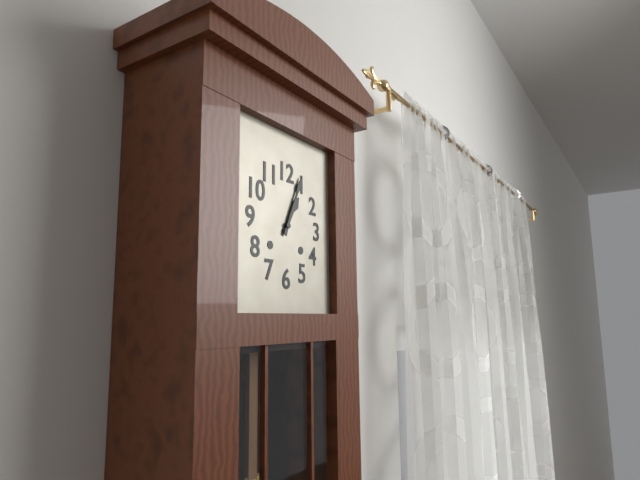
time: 1:04
